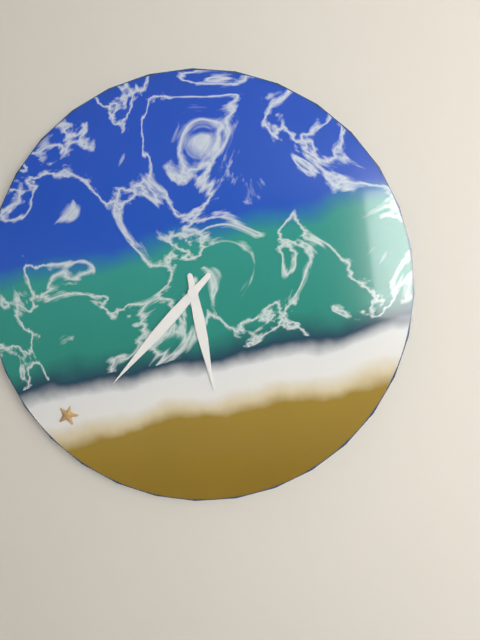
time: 5:37
